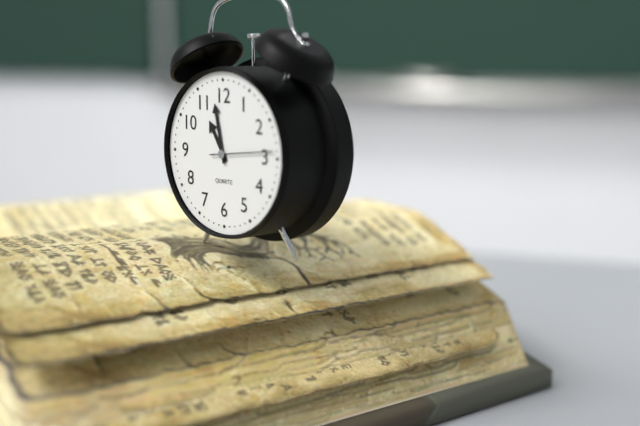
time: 10:58
